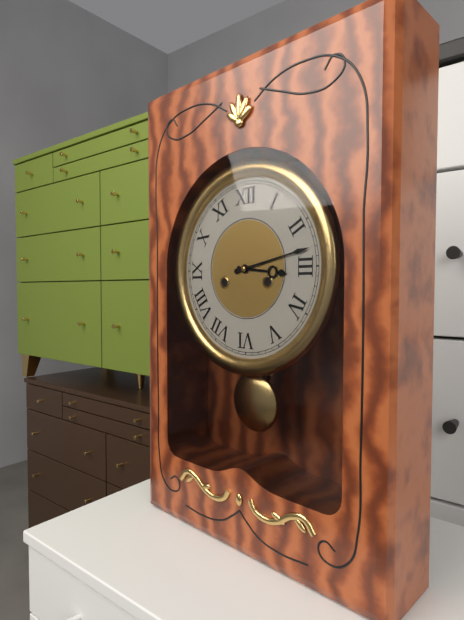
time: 3:13
